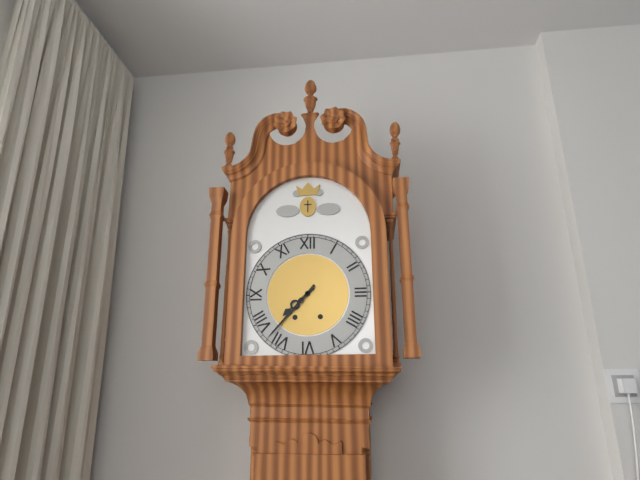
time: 7:37
